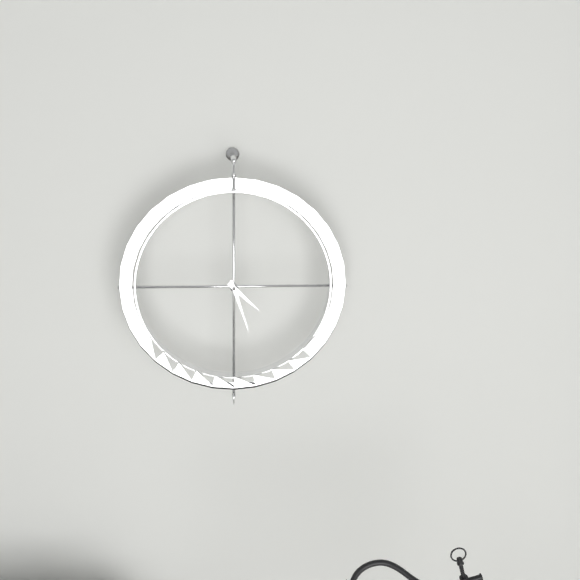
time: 4:27
